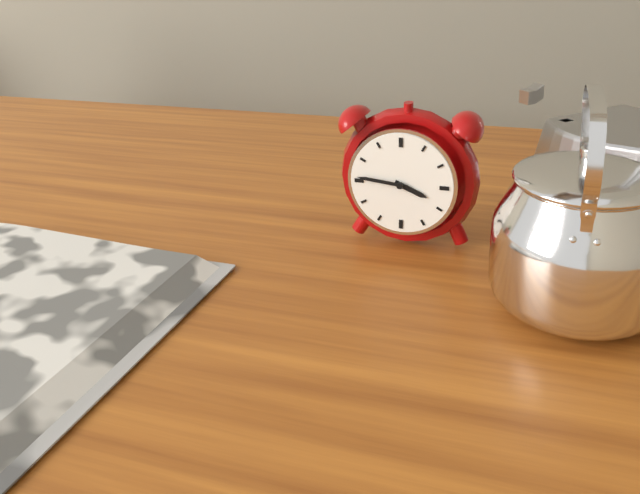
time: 3:46
